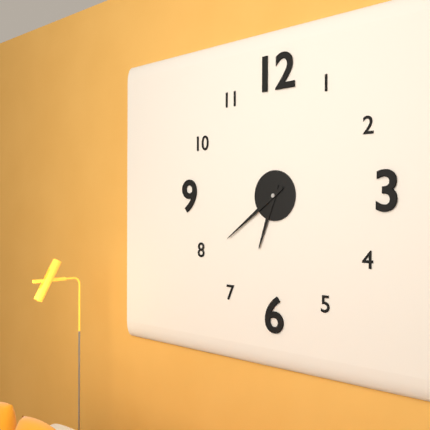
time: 6:39
